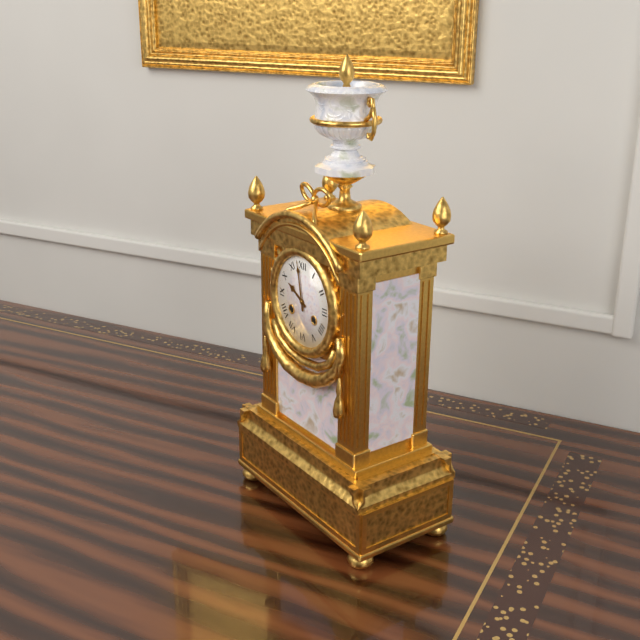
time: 9:58
